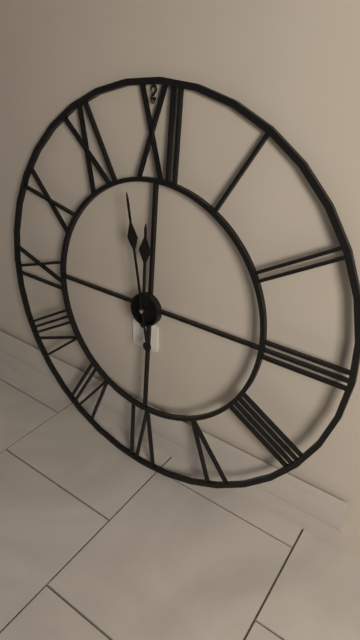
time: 11:58
